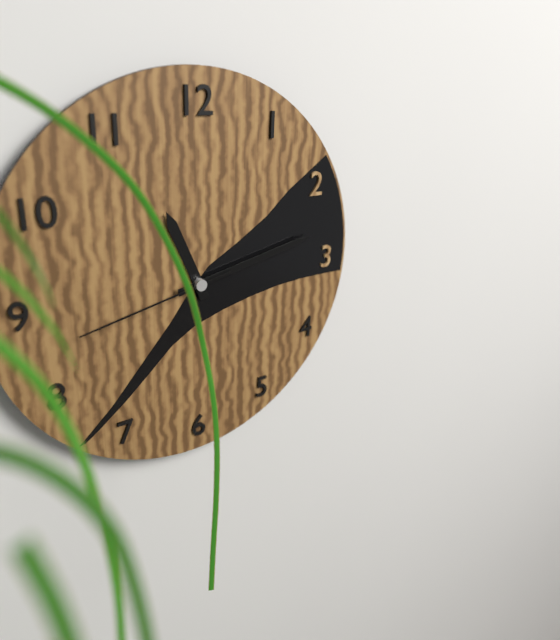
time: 11:13:43
